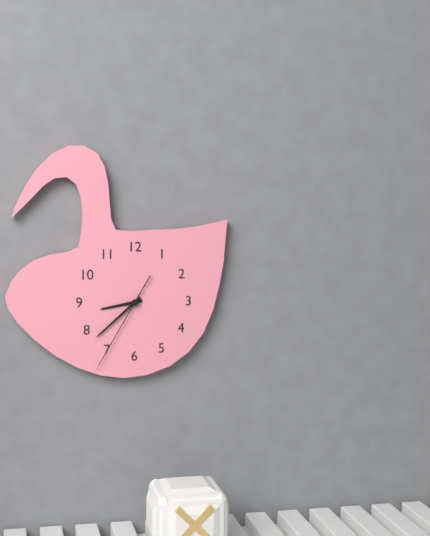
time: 8:38:35
